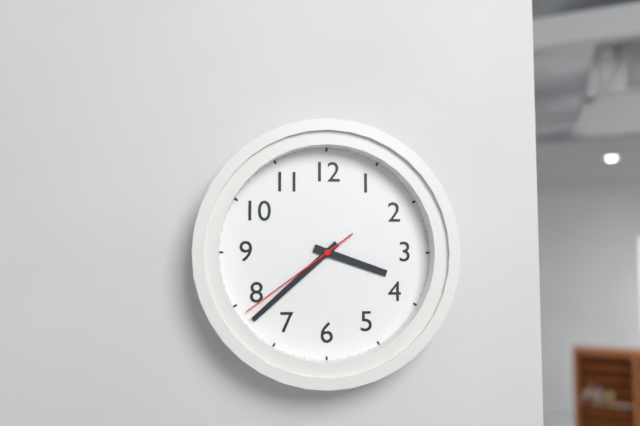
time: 3:38:39
